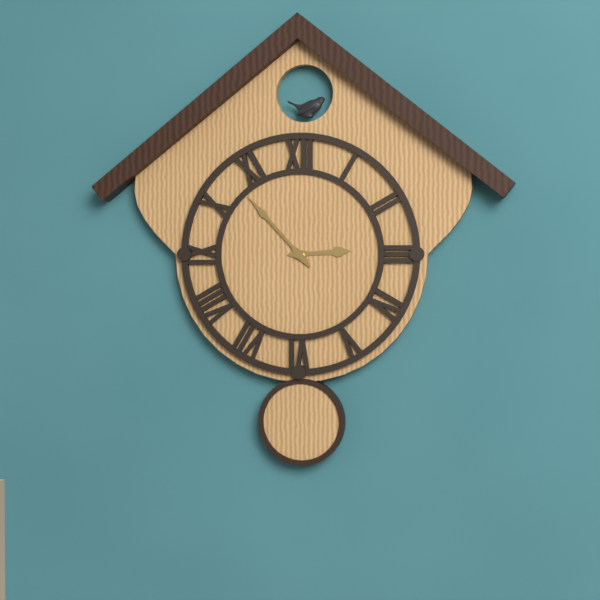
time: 2:53
